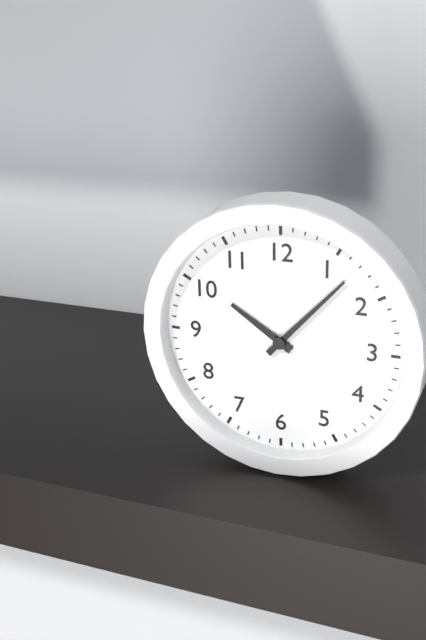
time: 10:07
